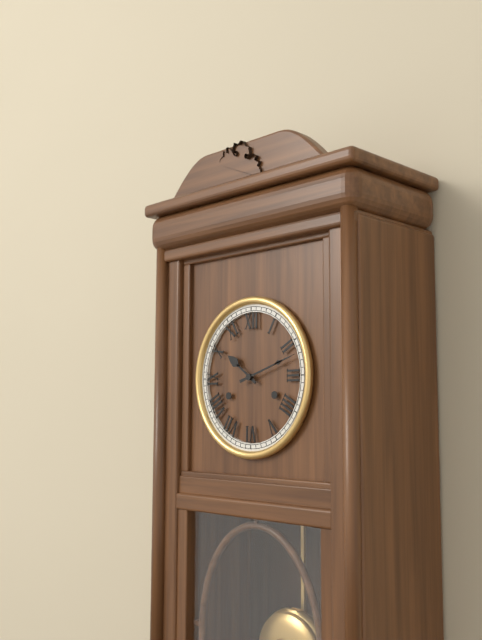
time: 10:12
